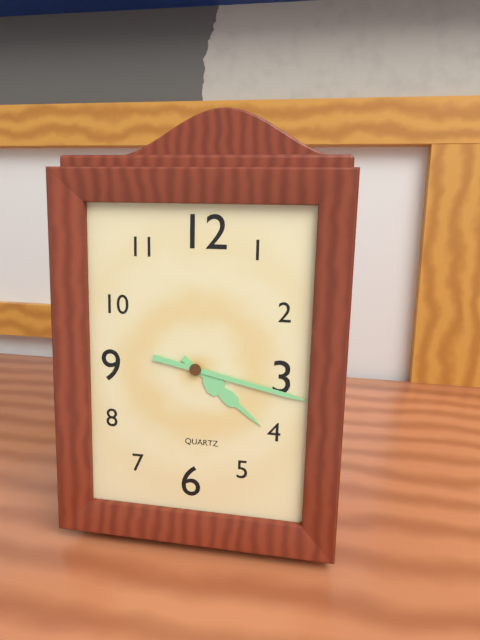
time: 4:17
